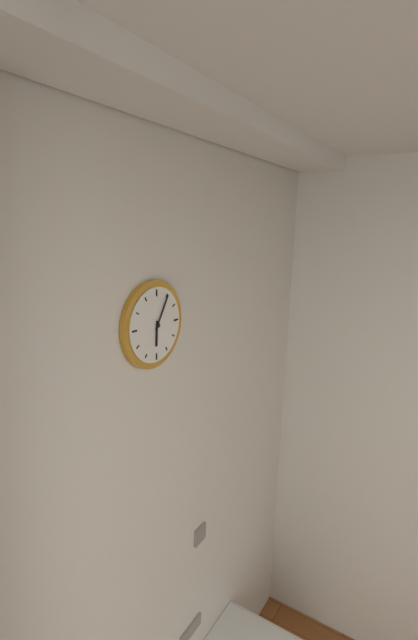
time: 6:05
